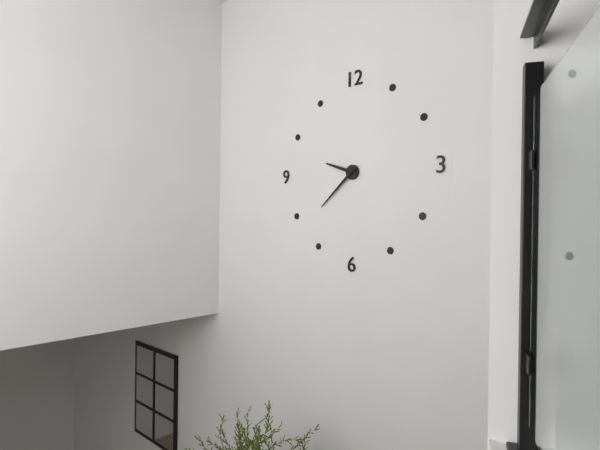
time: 9:38
